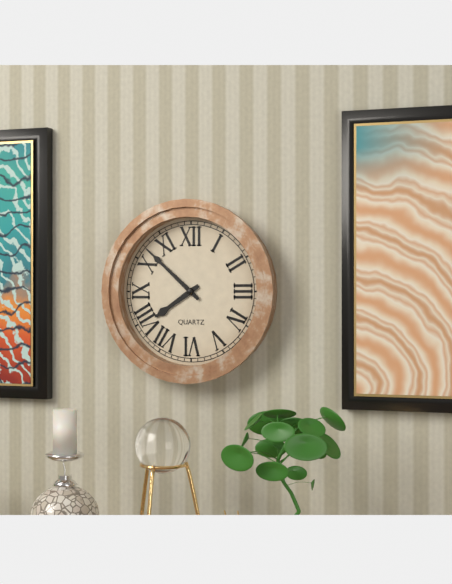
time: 7:52
